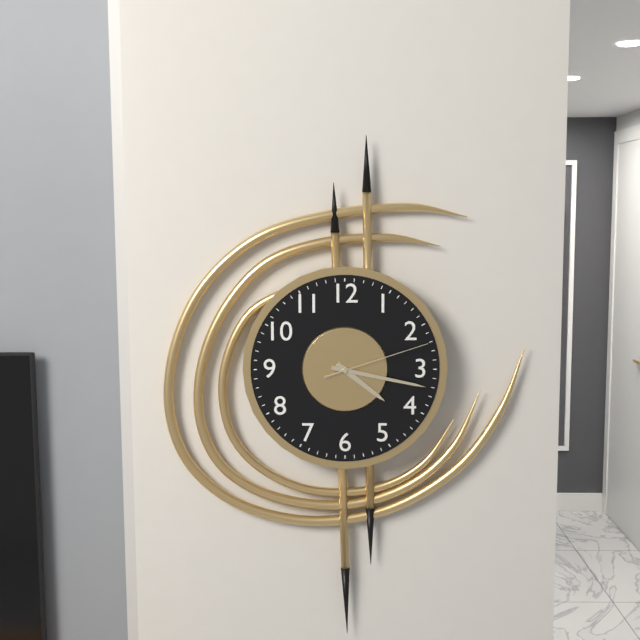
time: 4:17:12
